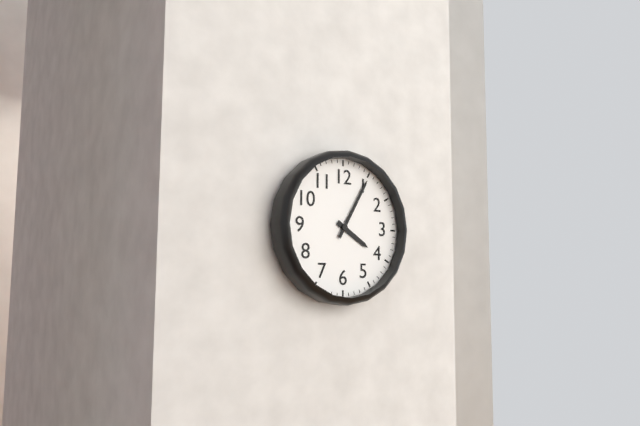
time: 4:05
